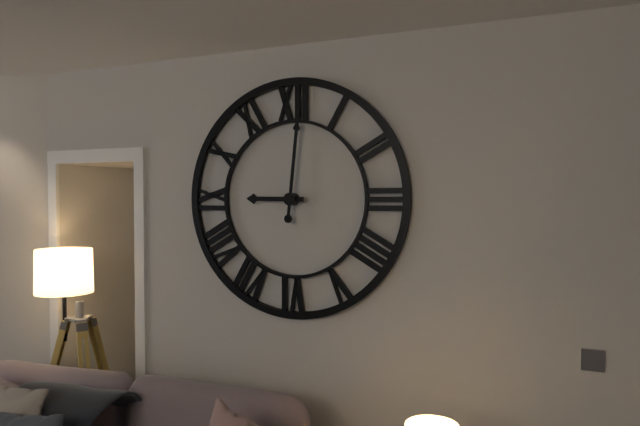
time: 9:01
